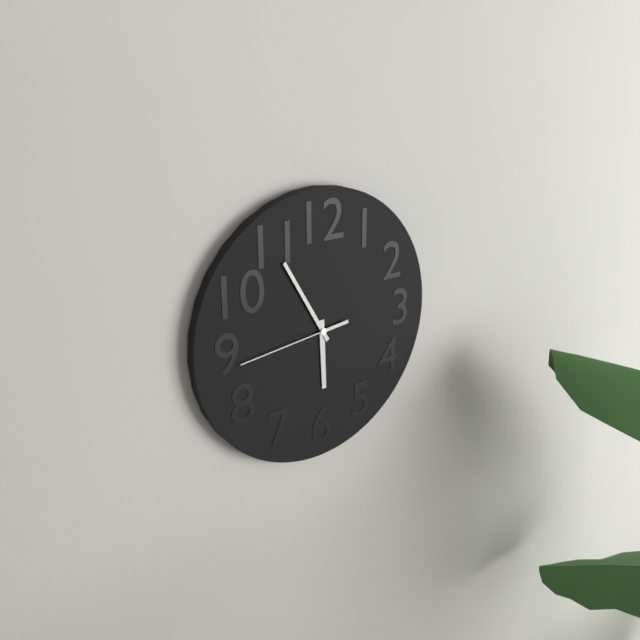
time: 5:55:44
